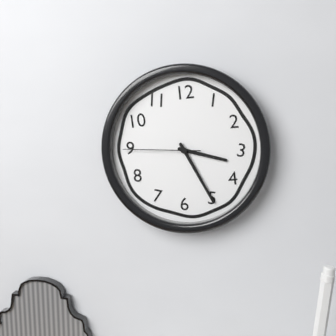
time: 3:25:45
